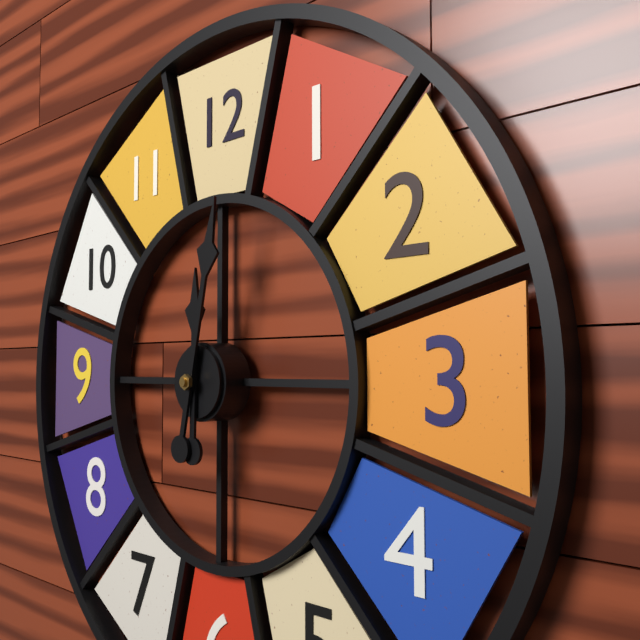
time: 12:02
